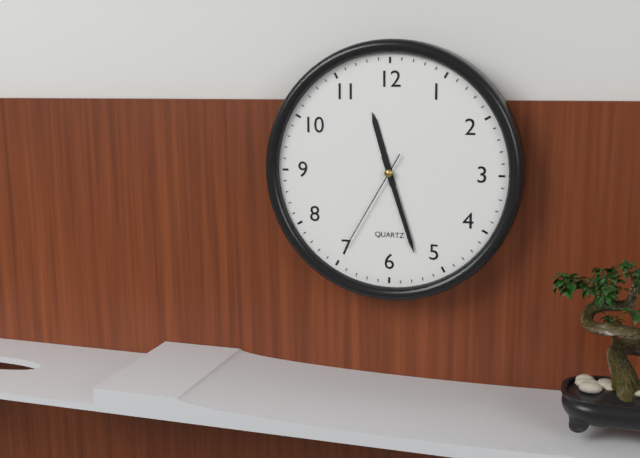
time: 11:27:35
